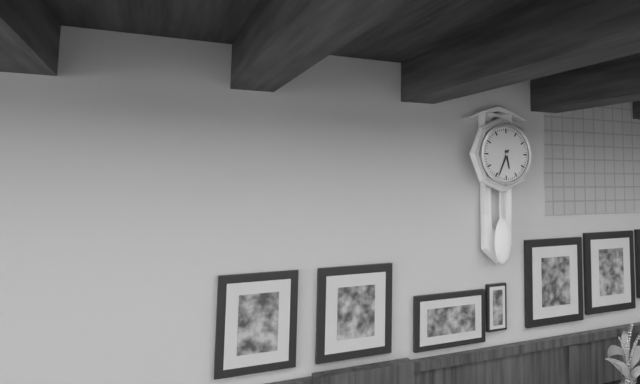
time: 5:34
